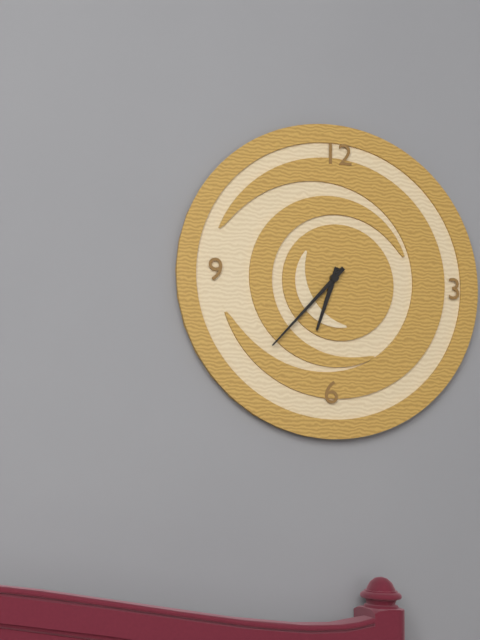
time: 6:37
